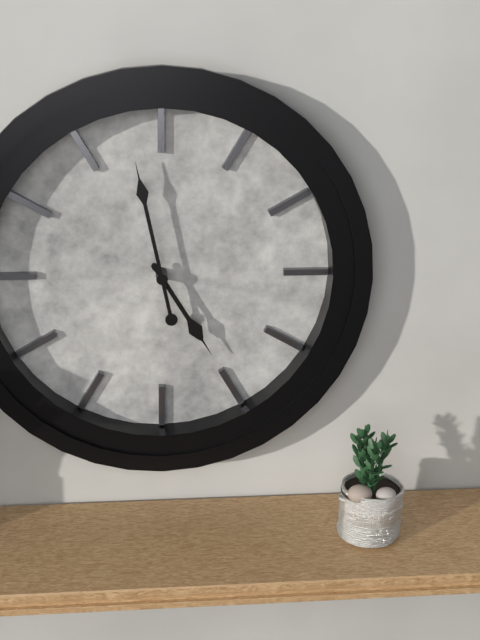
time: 4:58
